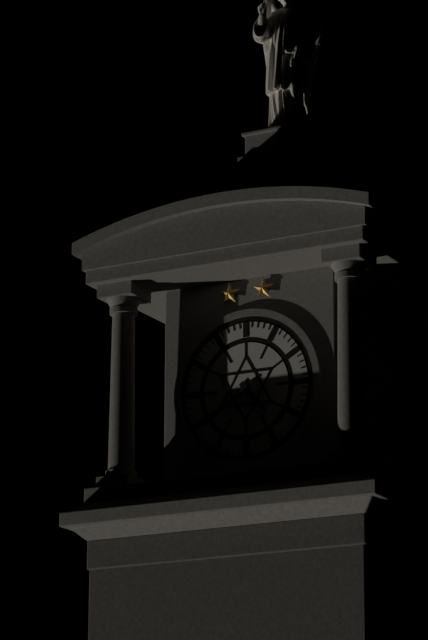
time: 4:39
